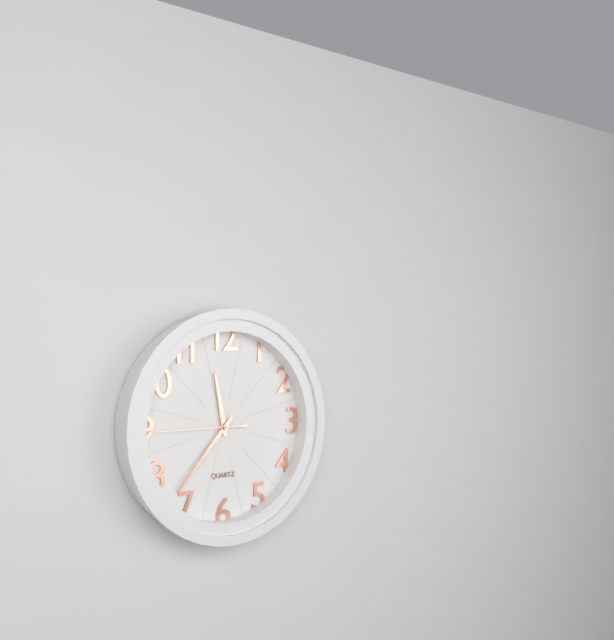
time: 11:37:45
